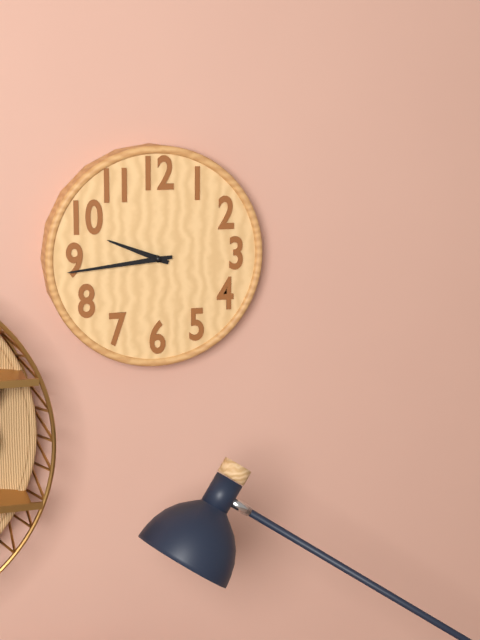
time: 9:44
